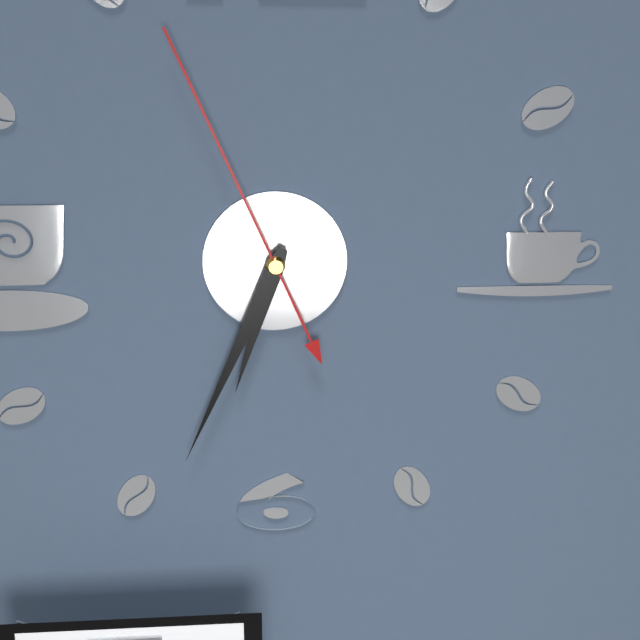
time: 6:34:56
